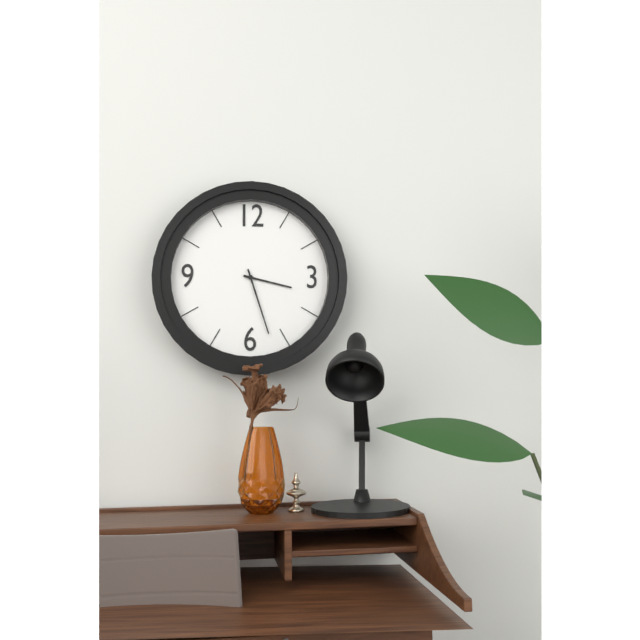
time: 3:27
